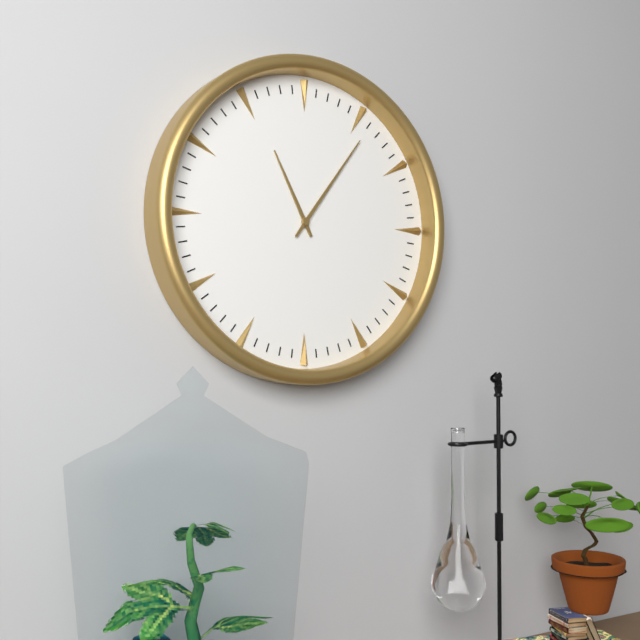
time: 11:06
